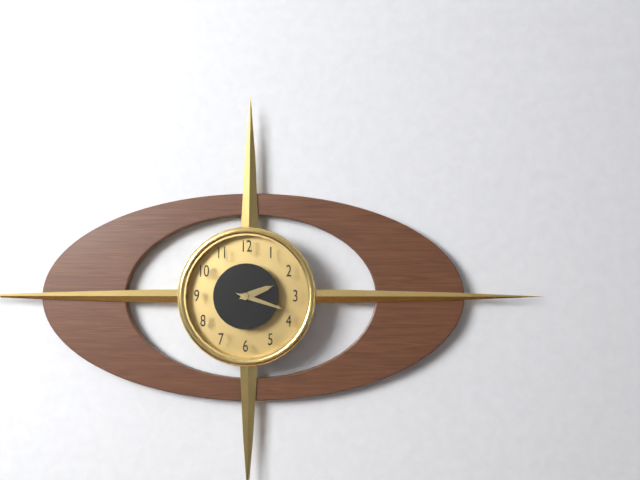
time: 2:18
